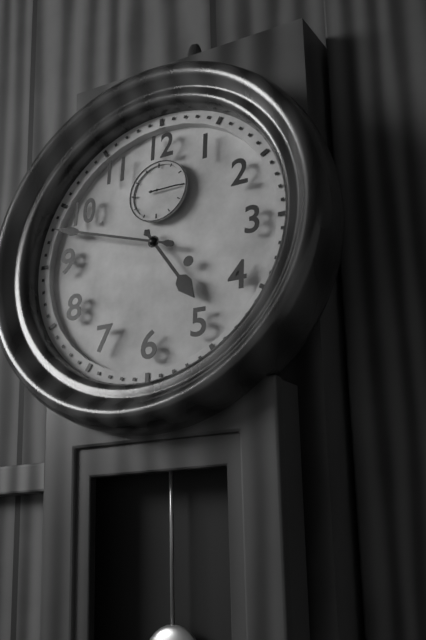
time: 4:48
